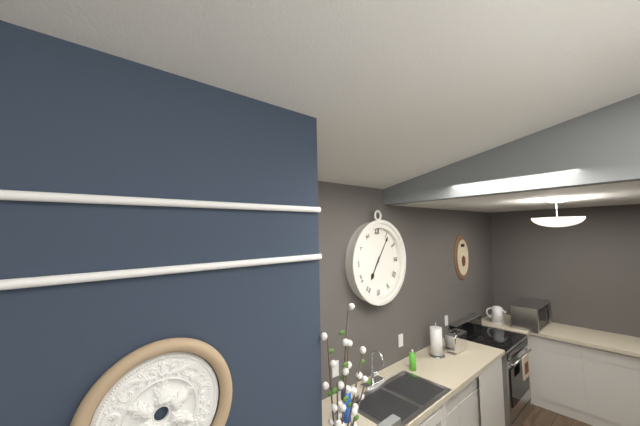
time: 7:06
